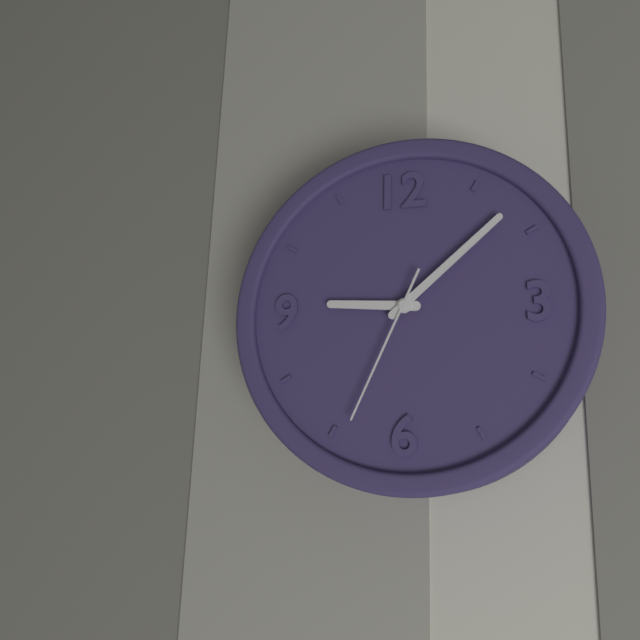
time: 9:08:34
